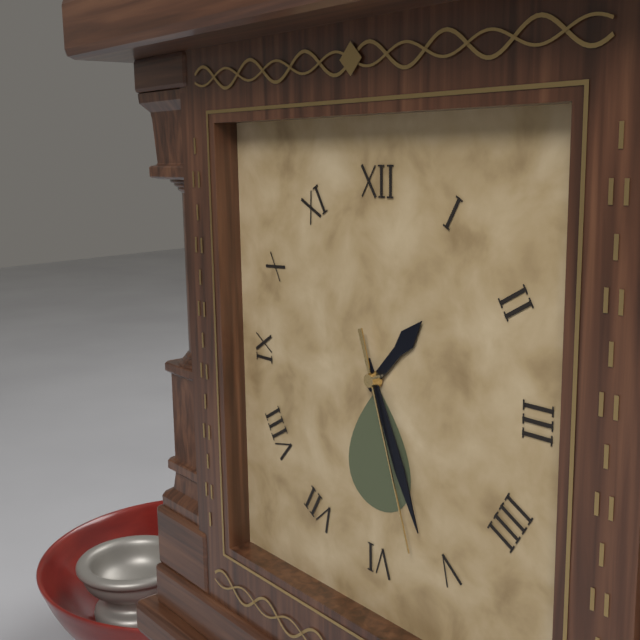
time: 1:26:27
